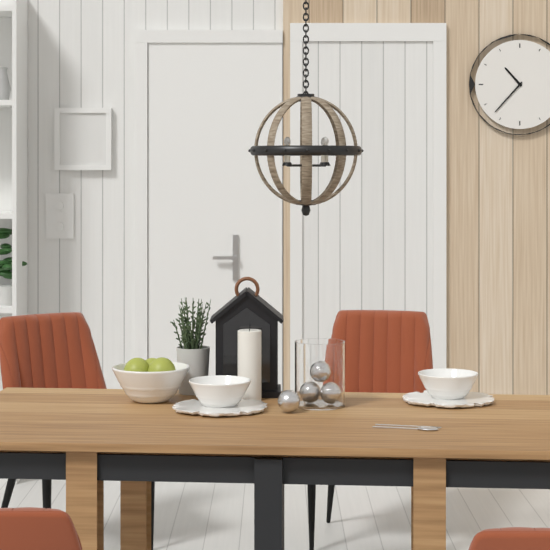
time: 10:37
